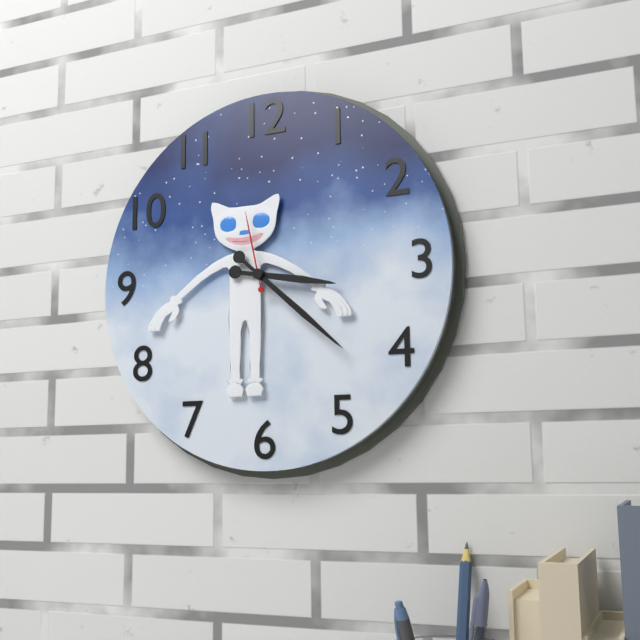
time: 3:22:58
